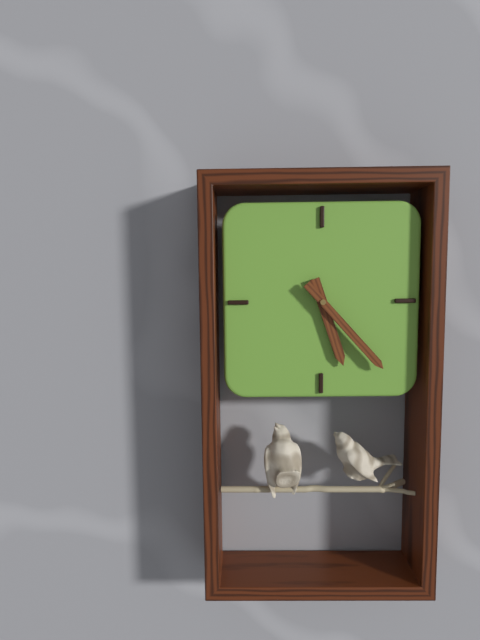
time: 5:23
